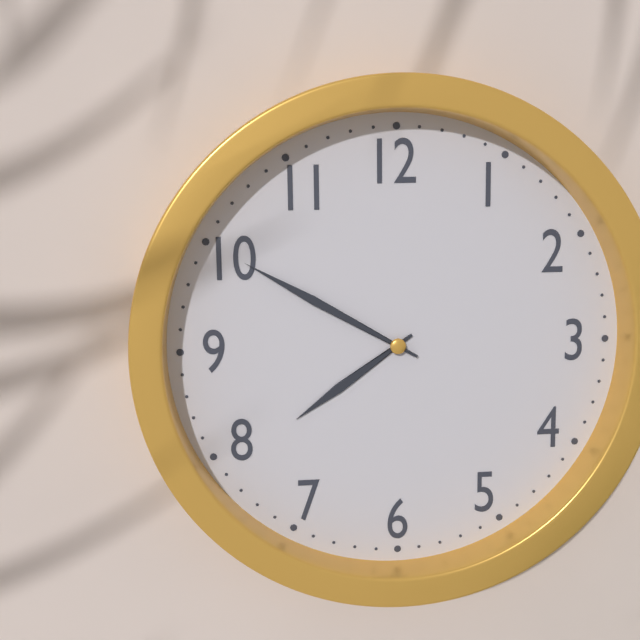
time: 7:50
